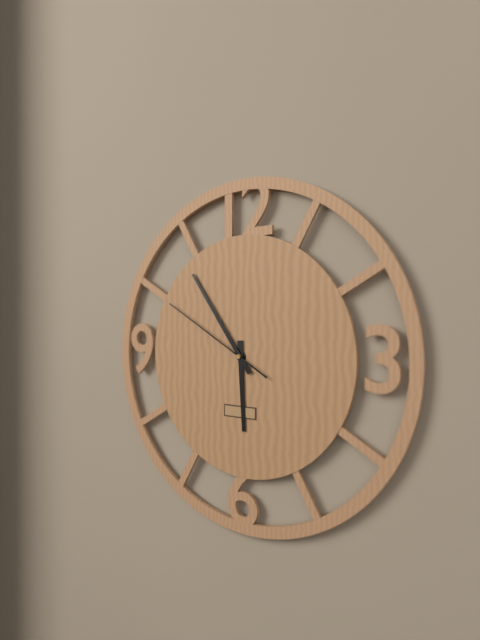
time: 5:54:50
